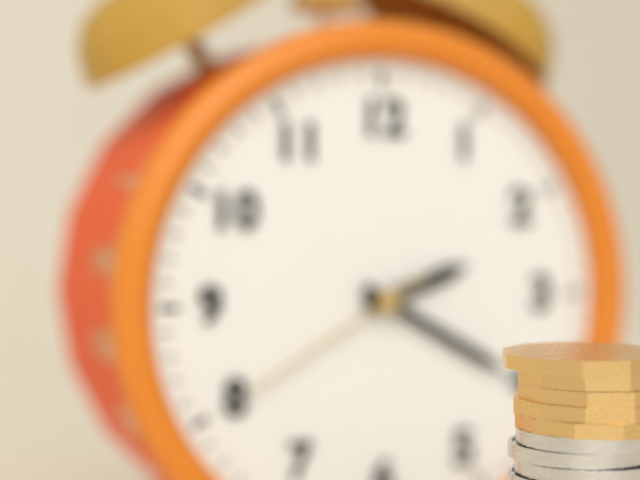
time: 2:20:40
